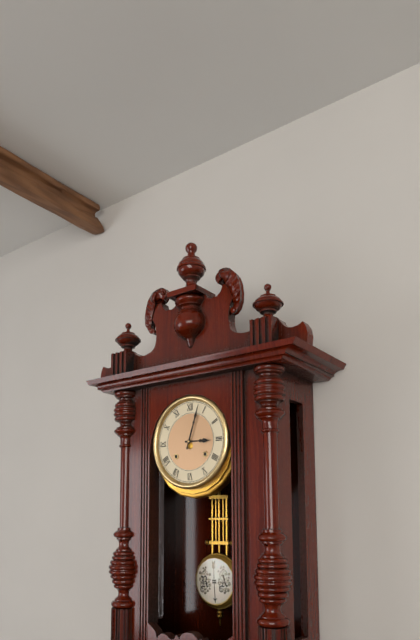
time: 3:03
